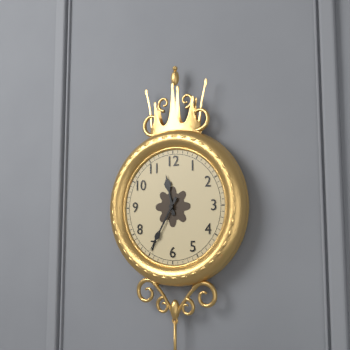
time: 11:35
